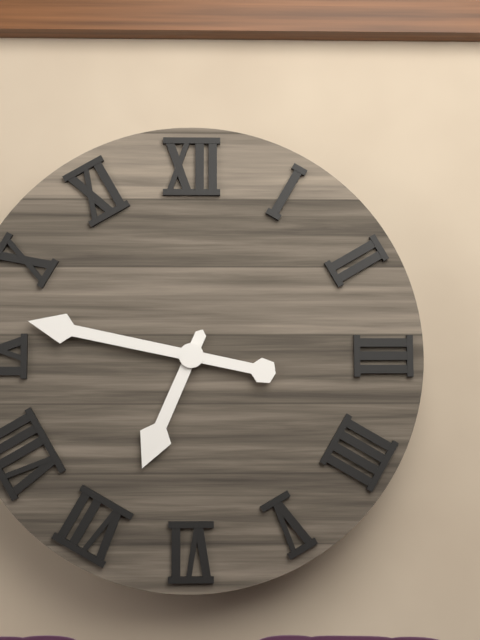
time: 6:47
